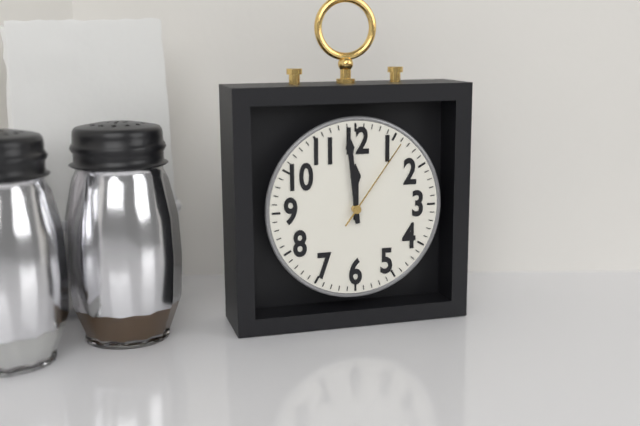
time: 11:59:06
